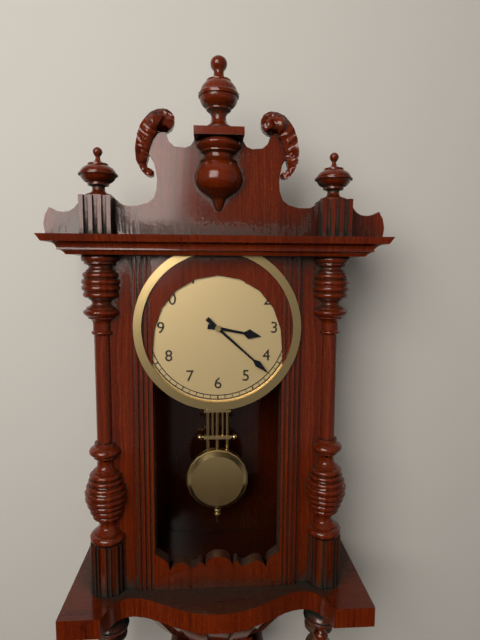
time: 3:22
